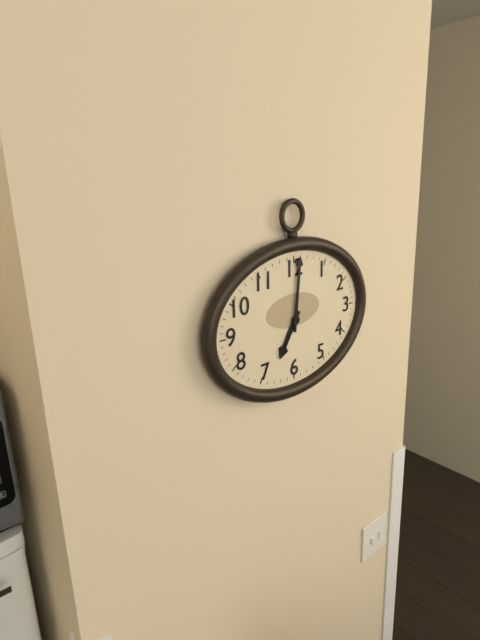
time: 7:01
